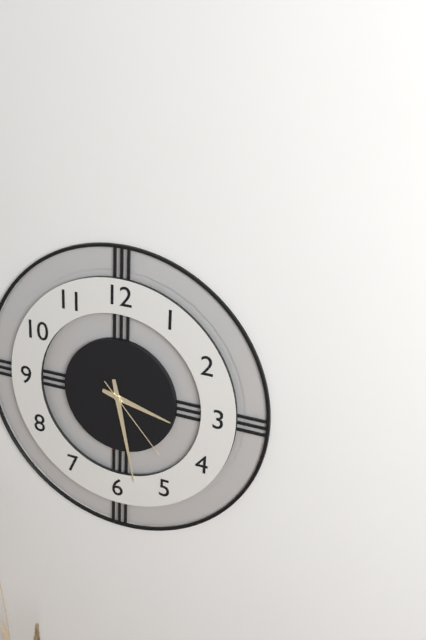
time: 3:28:23
